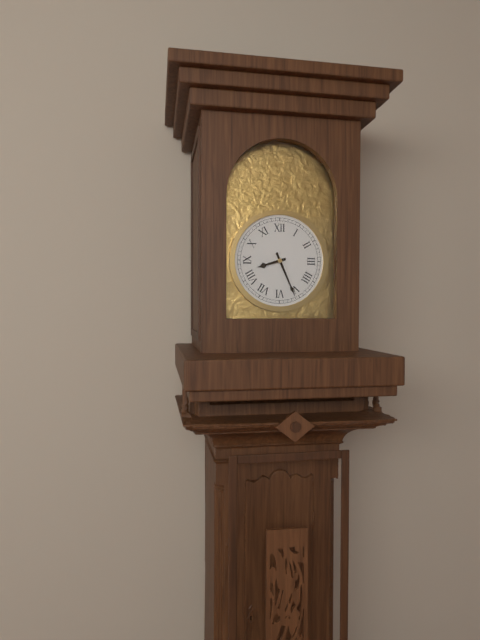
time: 8:26
